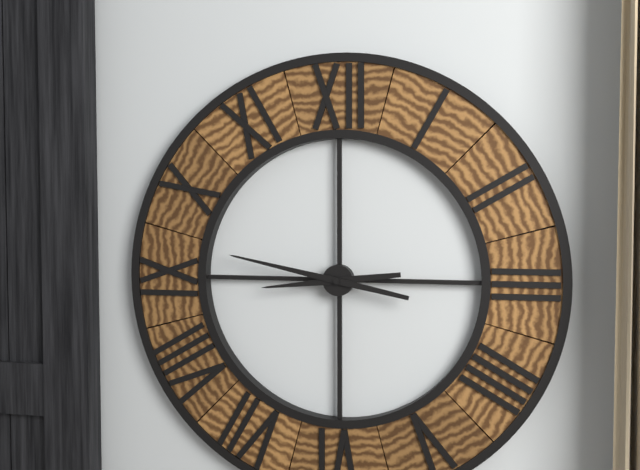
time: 8:47
